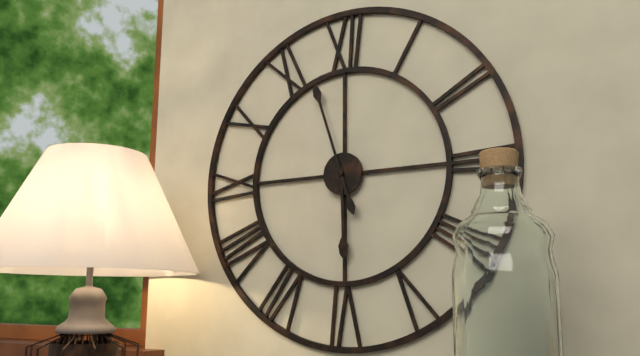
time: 5:57
